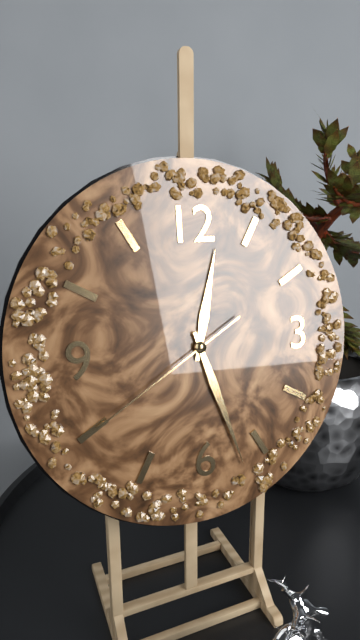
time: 12:27:40
